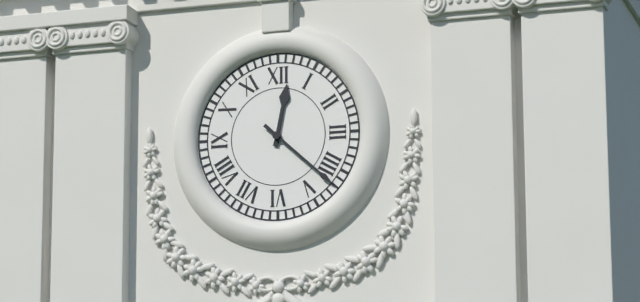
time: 12:22
